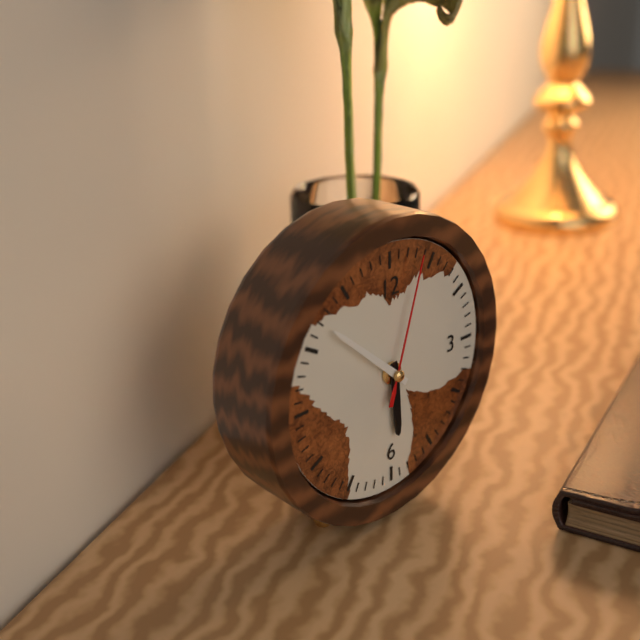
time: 5:52:03
